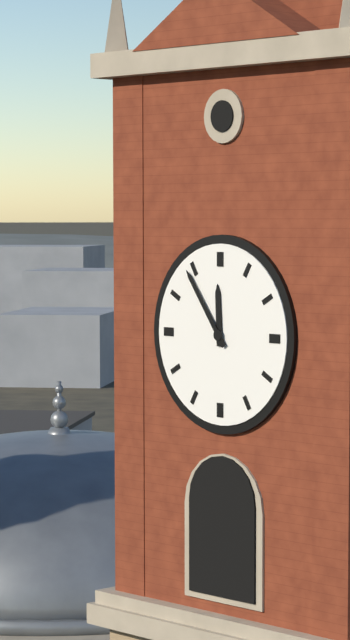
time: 11:54
